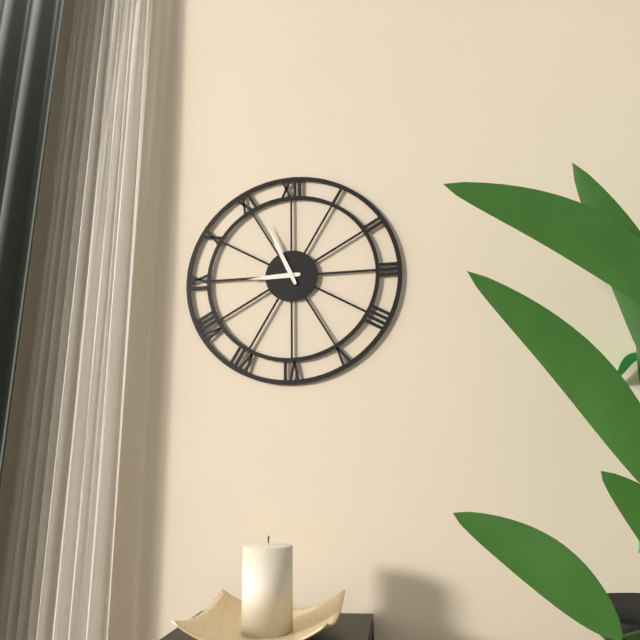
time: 8:56
